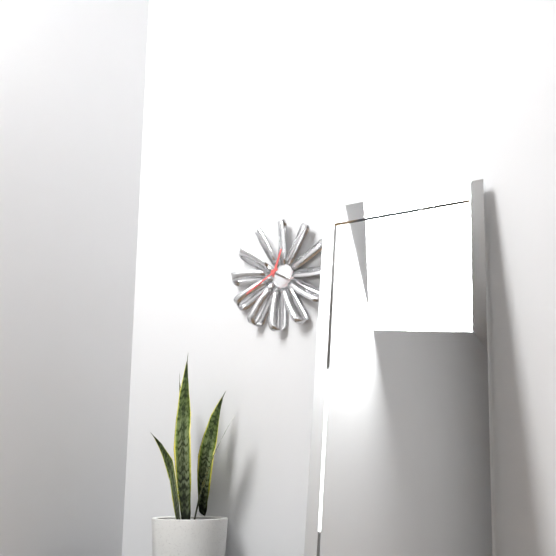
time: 12:40
